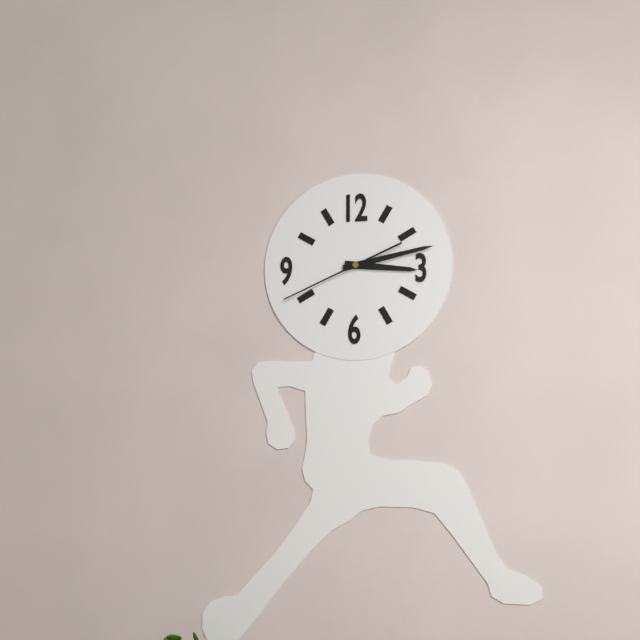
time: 3:13:41
